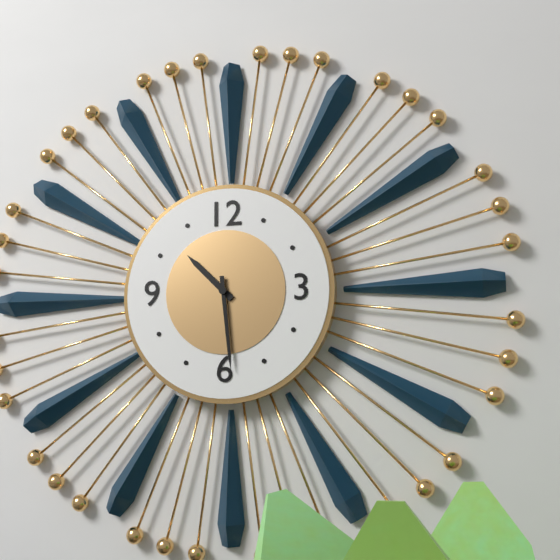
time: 10:29
